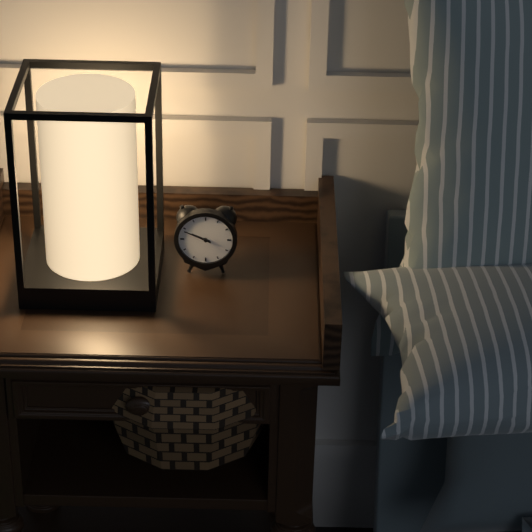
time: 9:49
